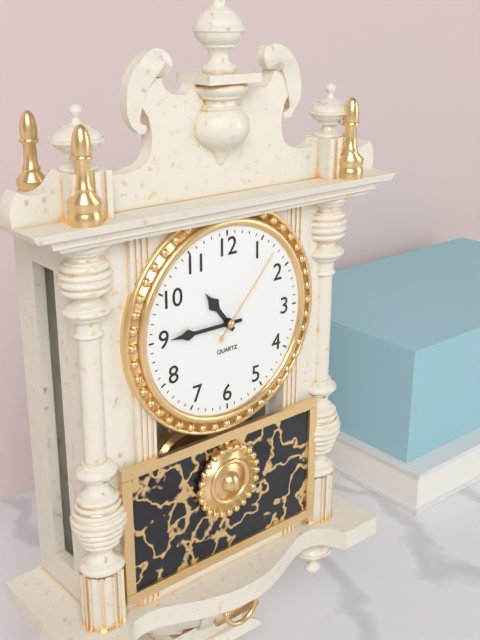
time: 10:45:07
